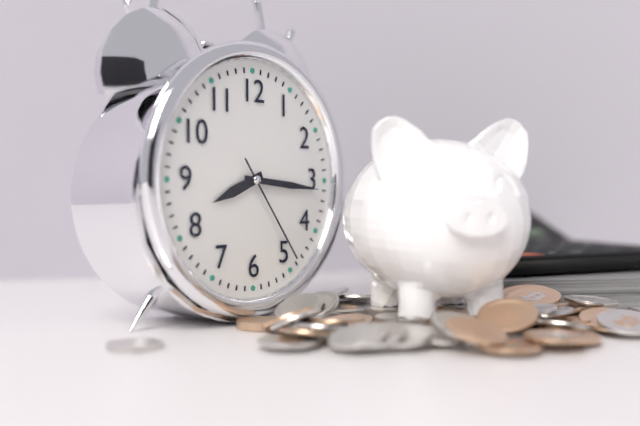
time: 8:16:24
